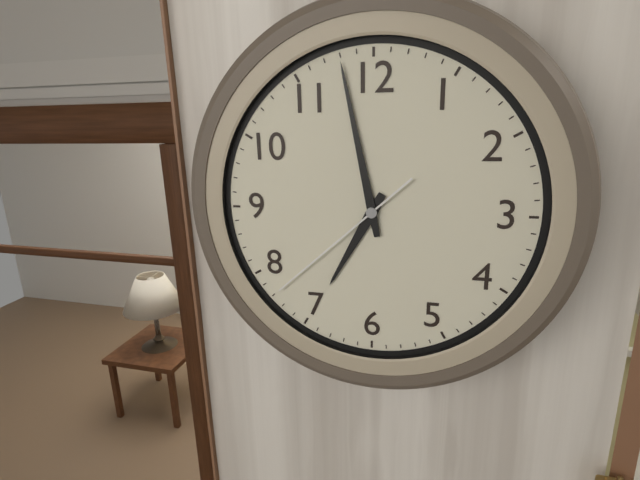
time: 6:58:38
